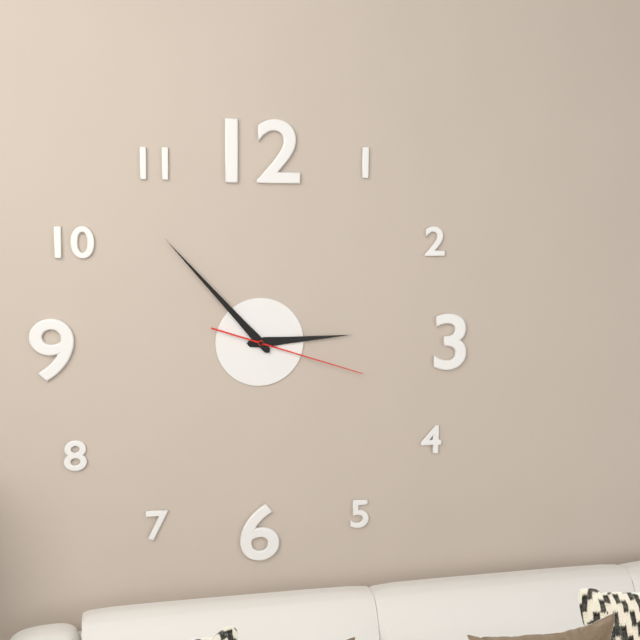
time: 2:53:18
